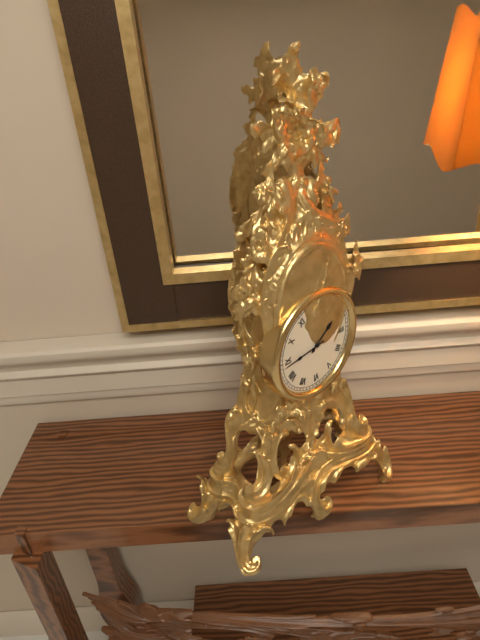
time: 1:44
